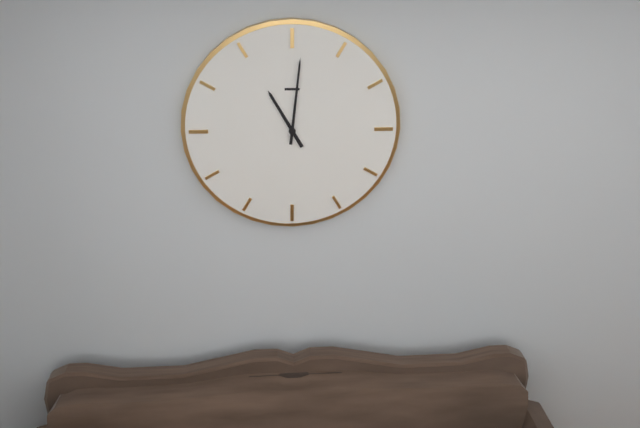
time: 11:01
